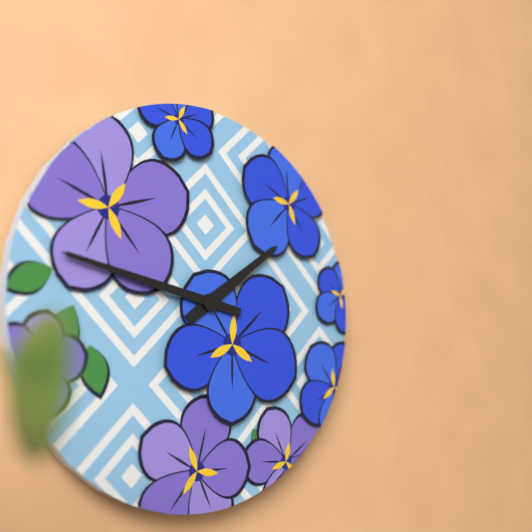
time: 1:47
